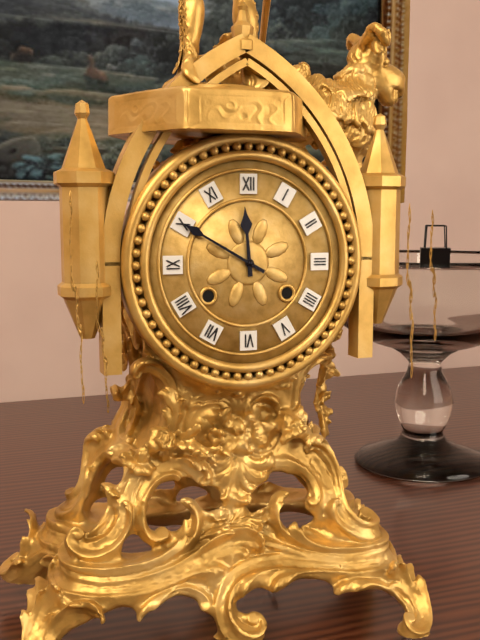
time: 11:50
